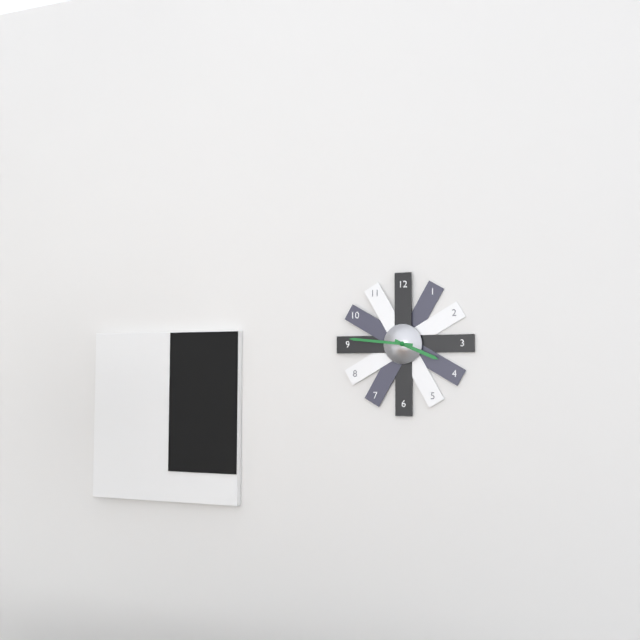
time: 3:46
